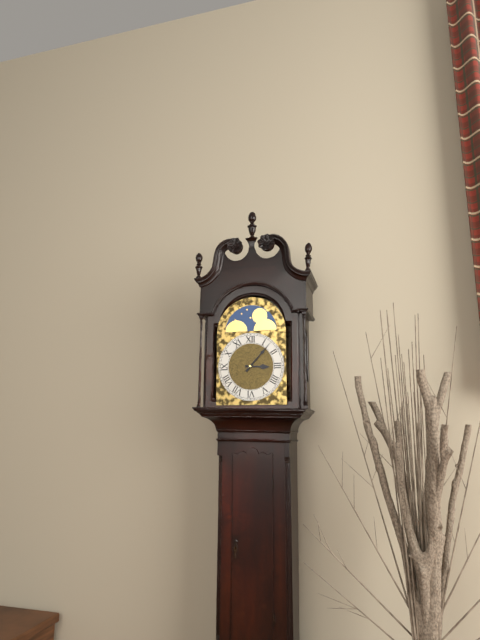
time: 3:07
